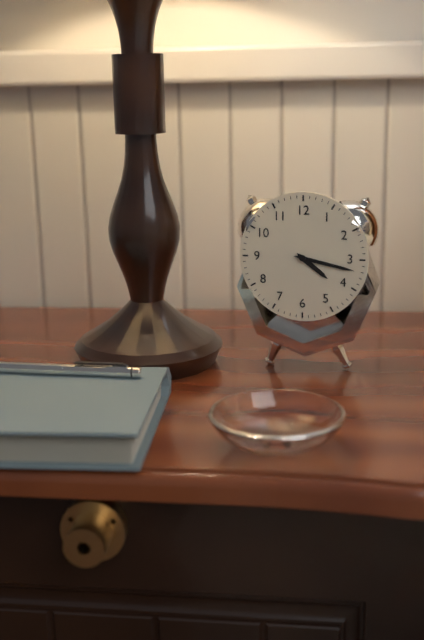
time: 4:17
